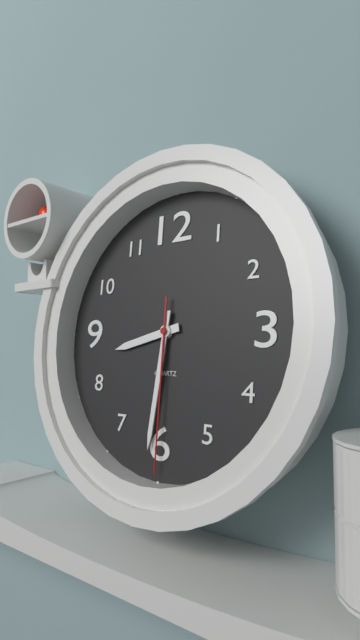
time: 8:31:30
